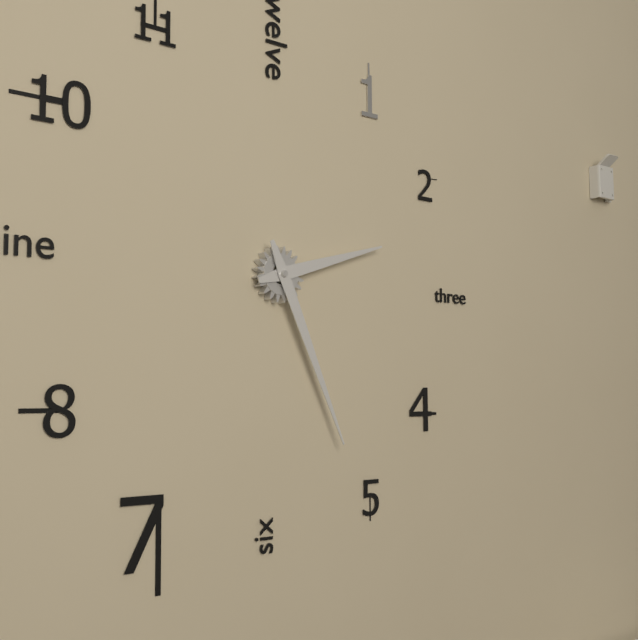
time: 2:26
